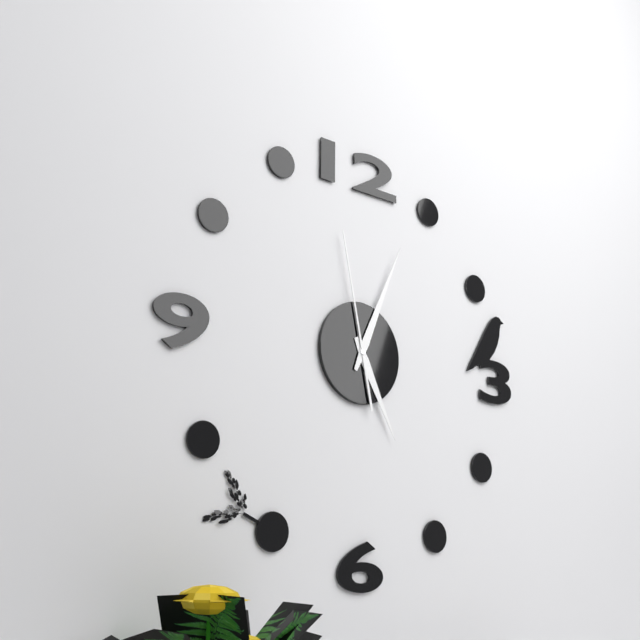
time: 5:04:58
